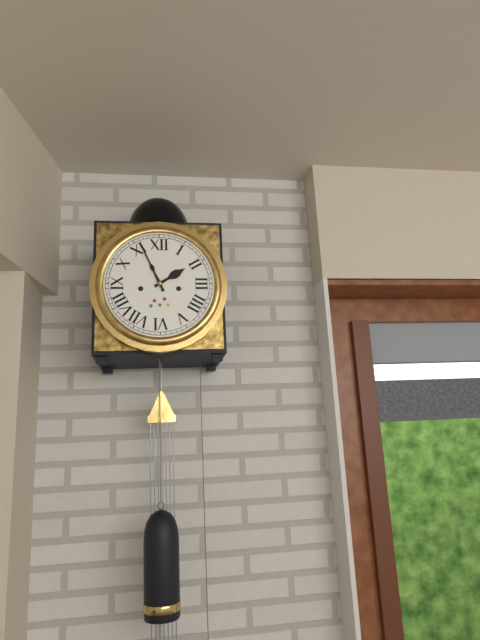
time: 1:56
